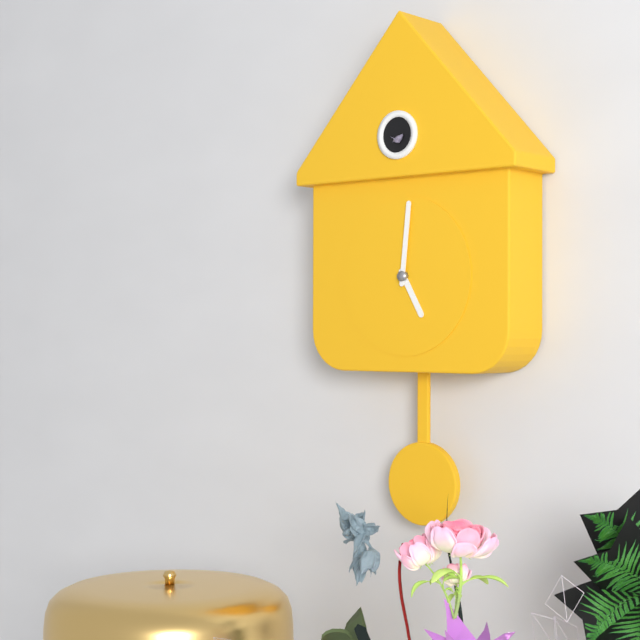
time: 5:01
